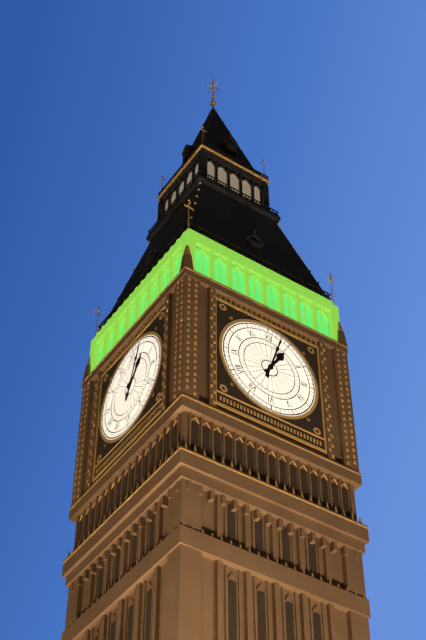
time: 1:03
